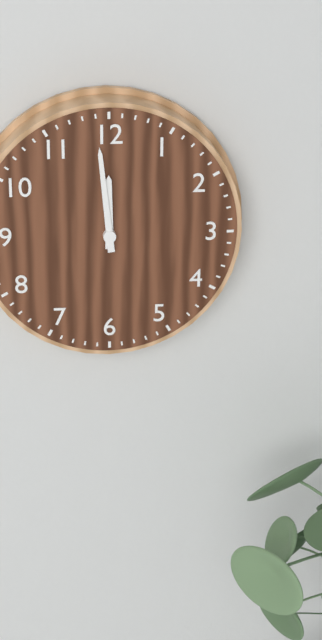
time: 11:59
